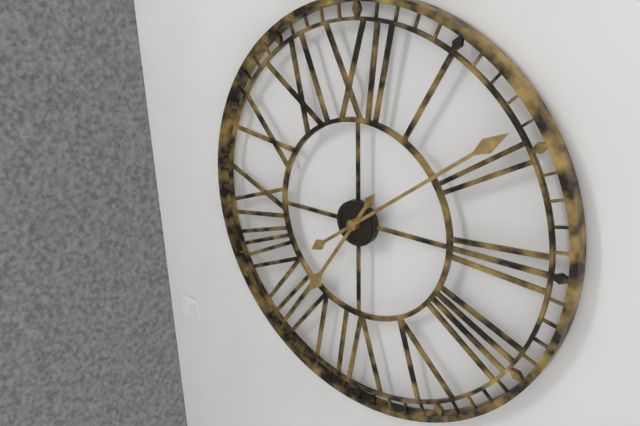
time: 7:09
